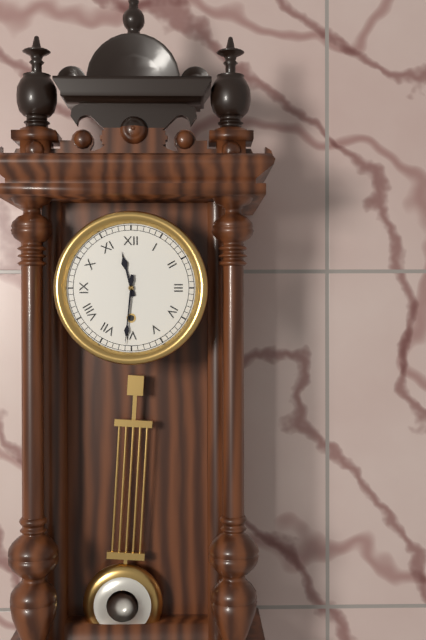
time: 11:31
